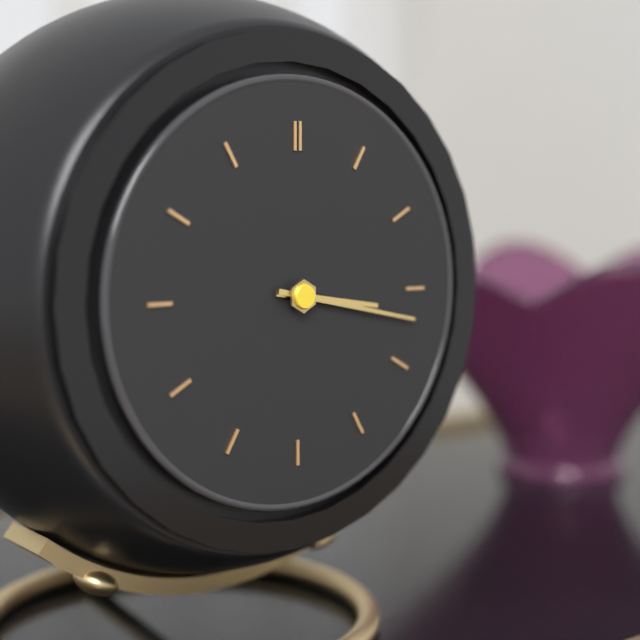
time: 3:17
